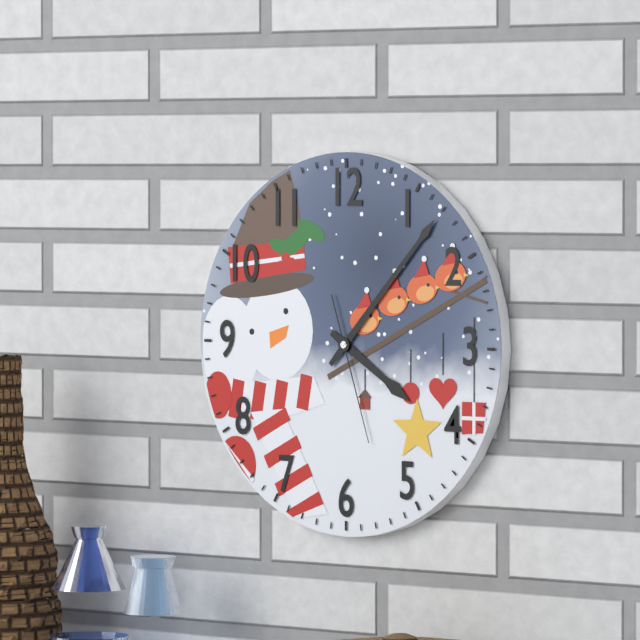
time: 4:07:27
